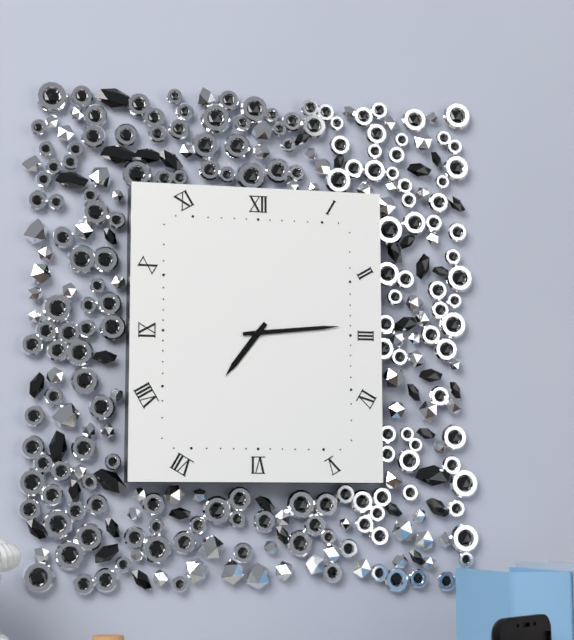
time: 7:14
